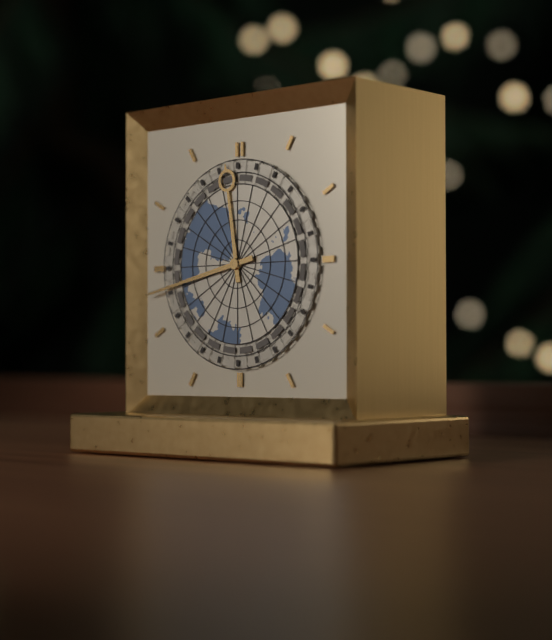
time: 11:43
